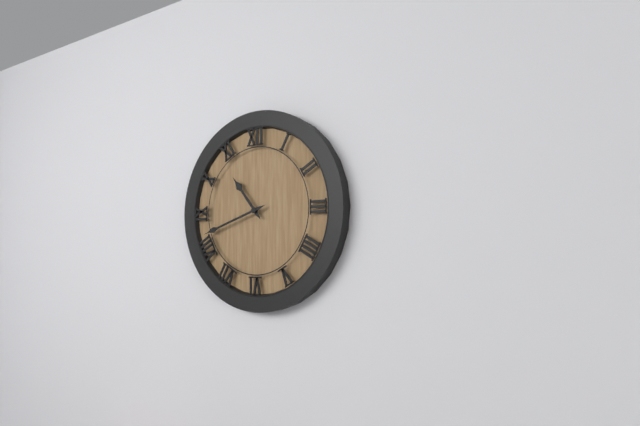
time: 10:42
